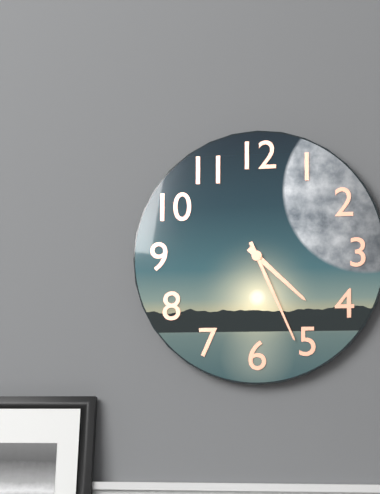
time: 4:26
